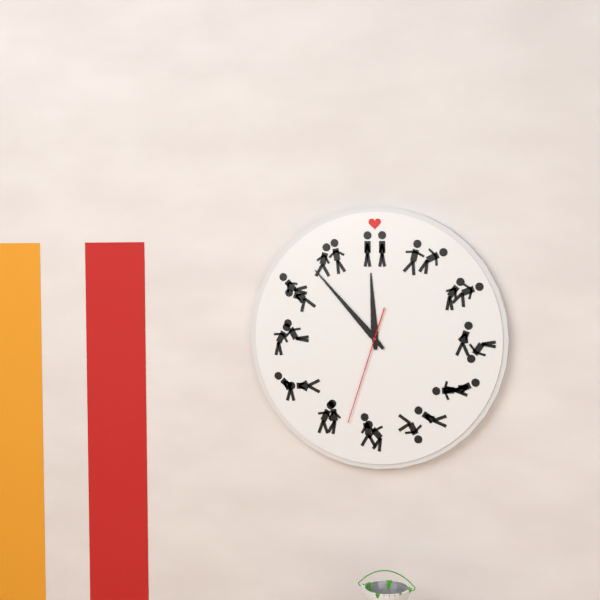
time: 11:53:33
